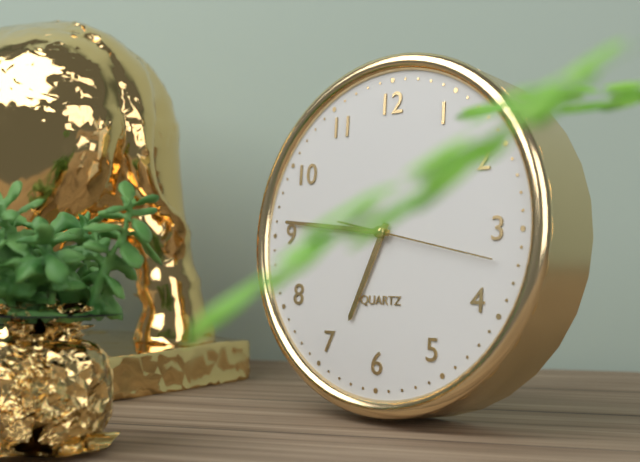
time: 6:46:17
